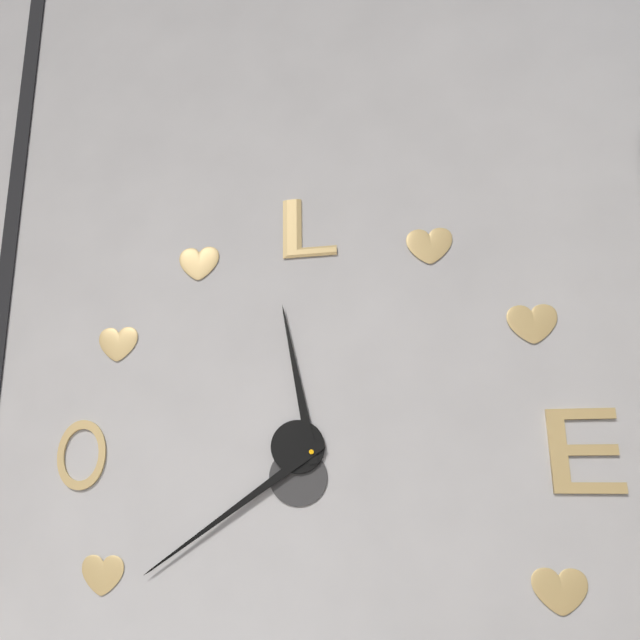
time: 11:39
